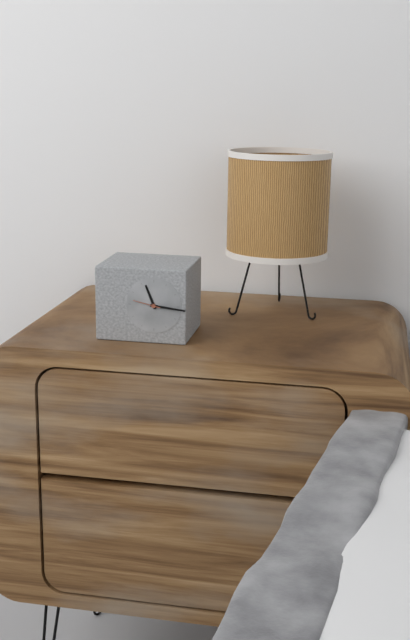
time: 11:16
